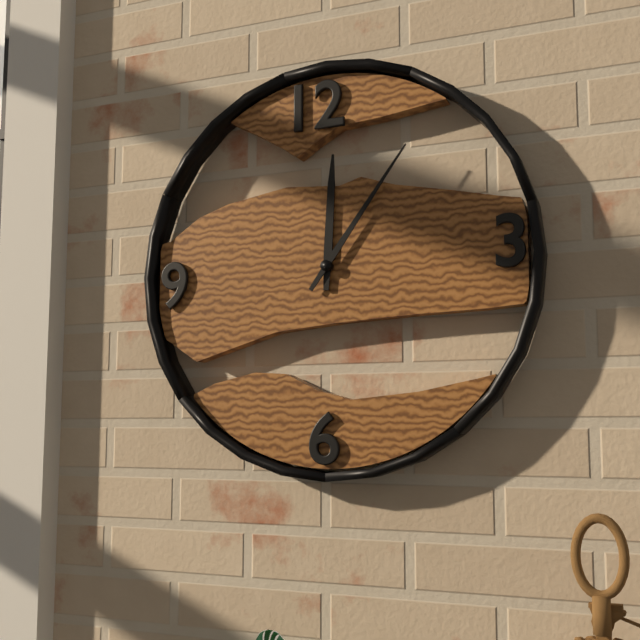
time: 12:06
